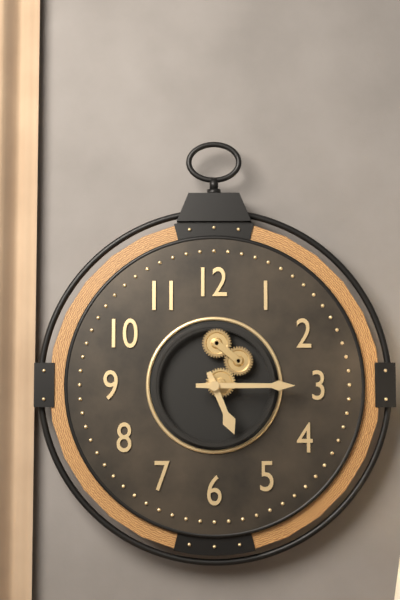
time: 5:15
